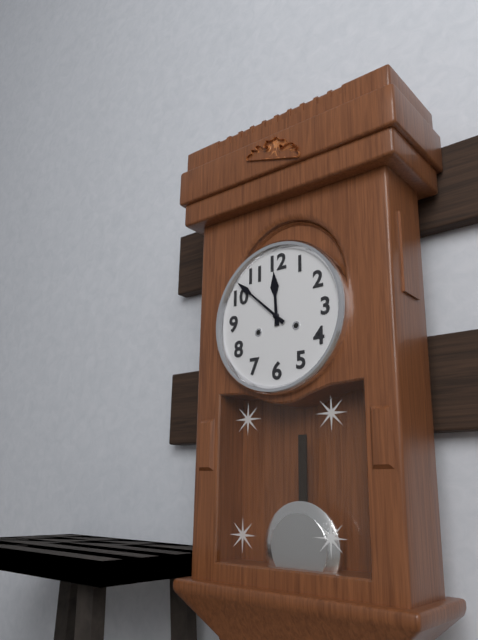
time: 11:52
